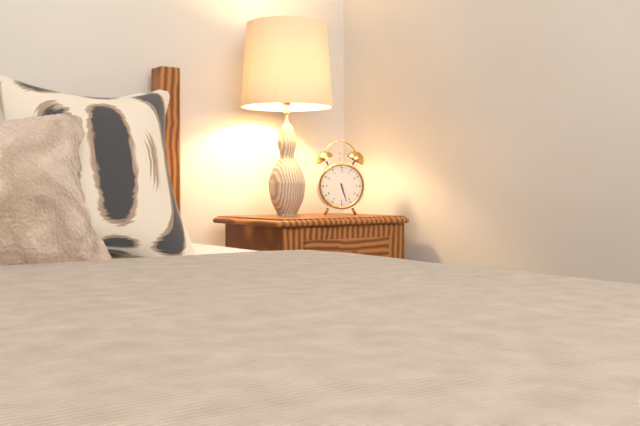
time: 5:27
